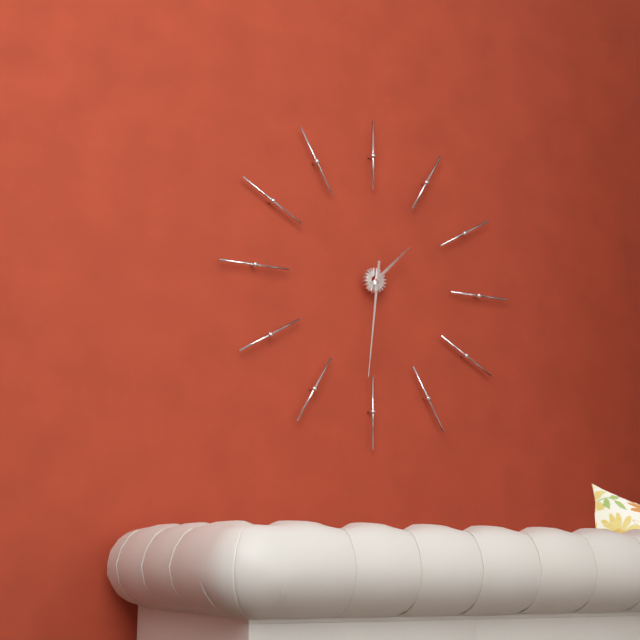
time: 1:31
